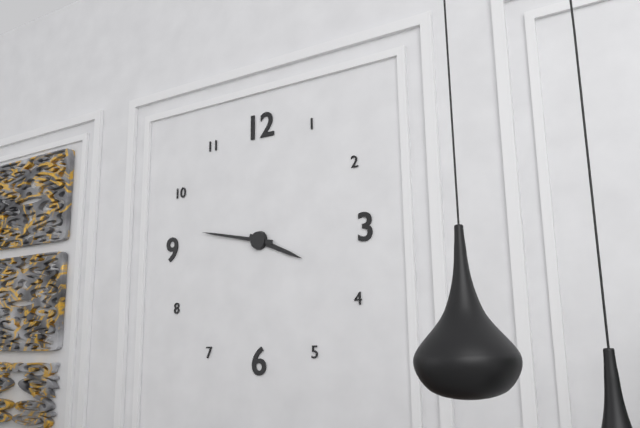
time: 3:47
